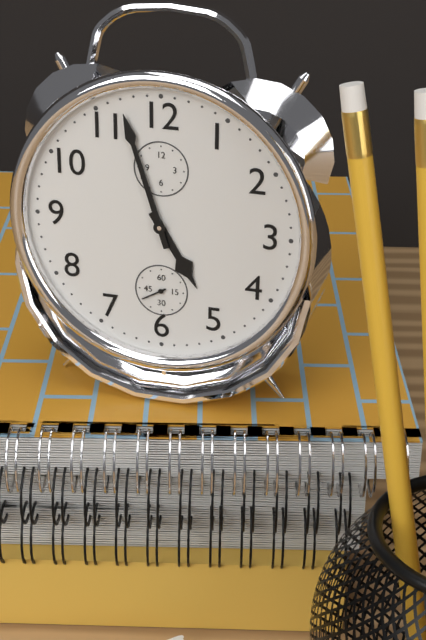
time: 4:57
